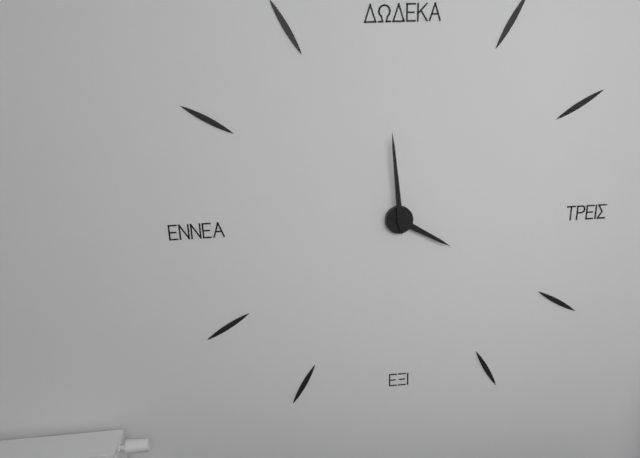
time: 3:59
